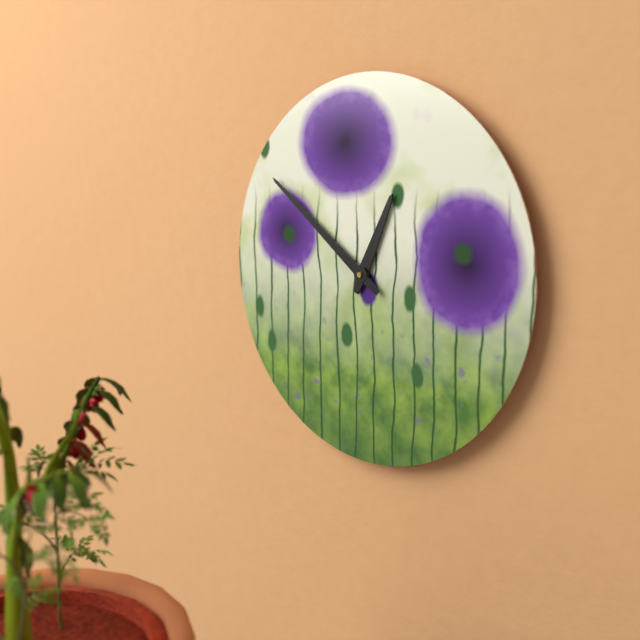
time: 12:51
